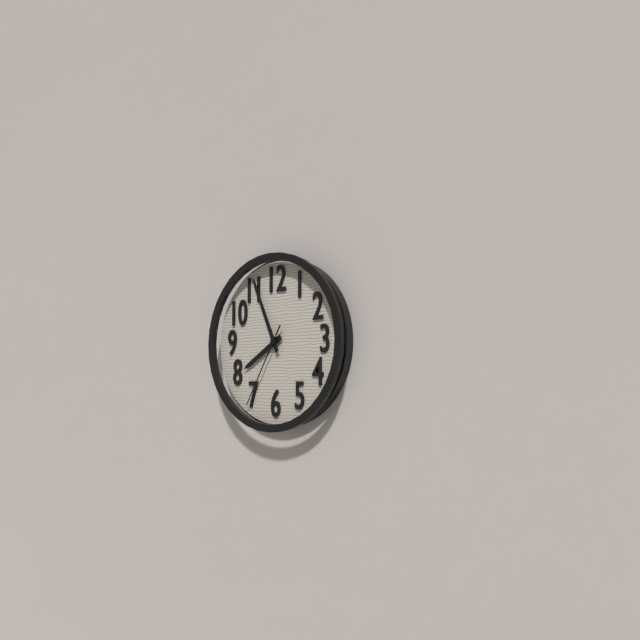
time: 7:56:35
